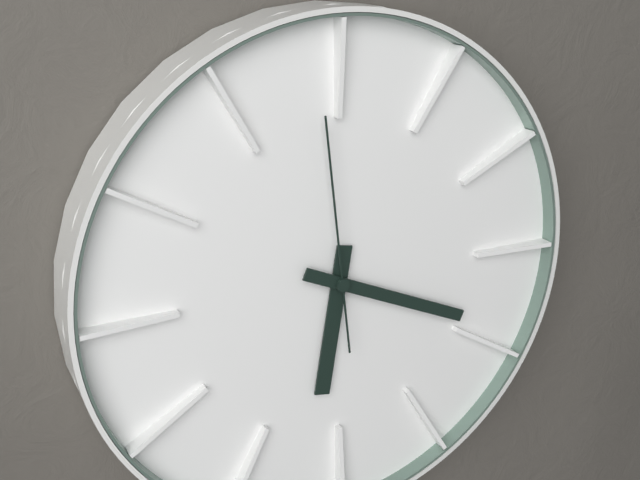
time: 6:19:59
